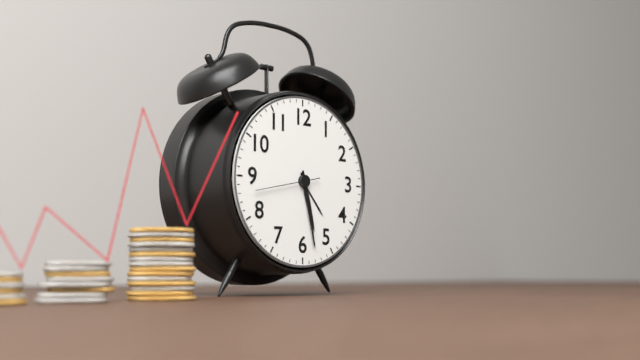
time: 5:28:43
